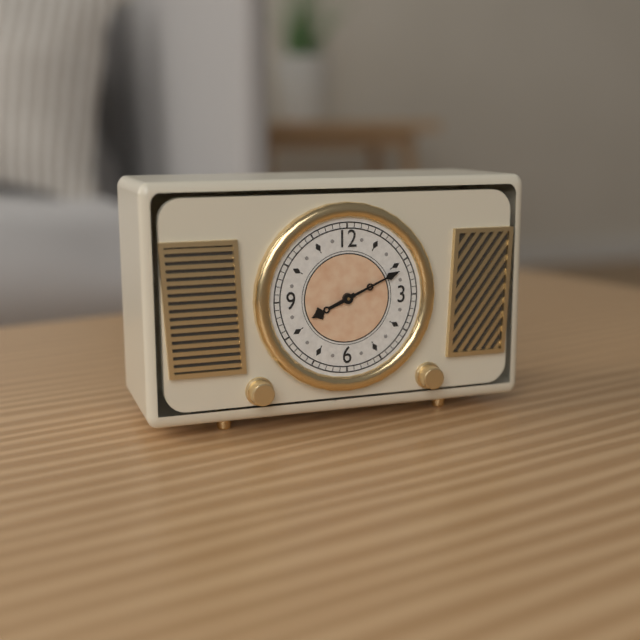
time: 8:11
